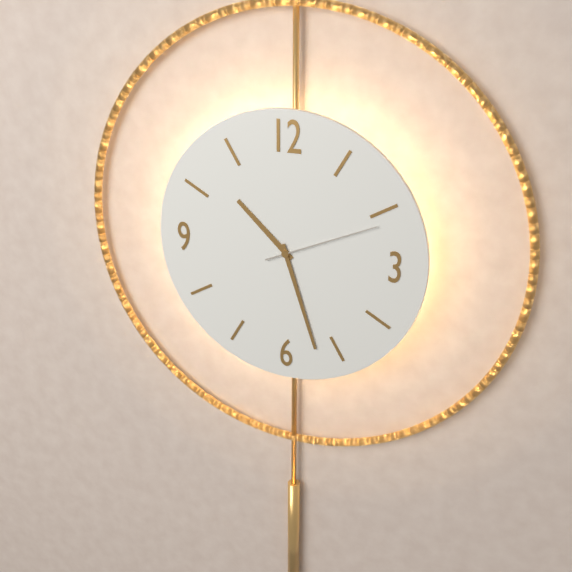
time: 10:27:11
